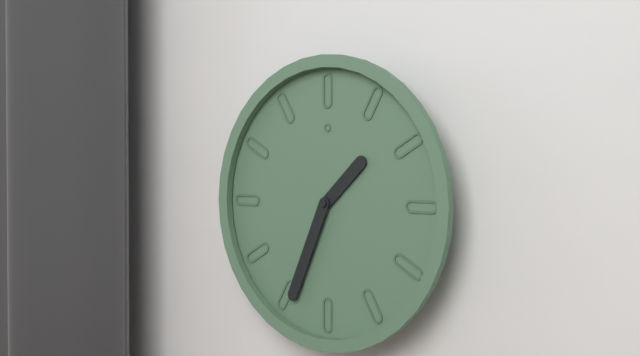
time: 1:34
